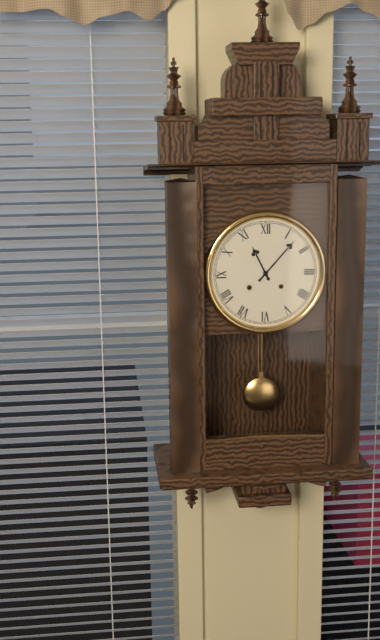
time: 11:07
